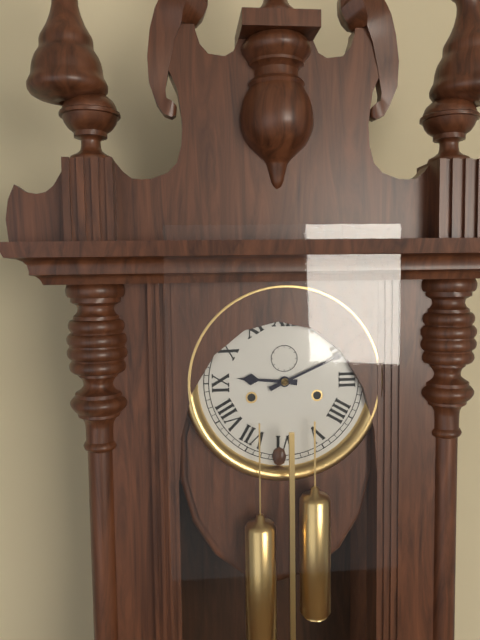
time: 9:11
